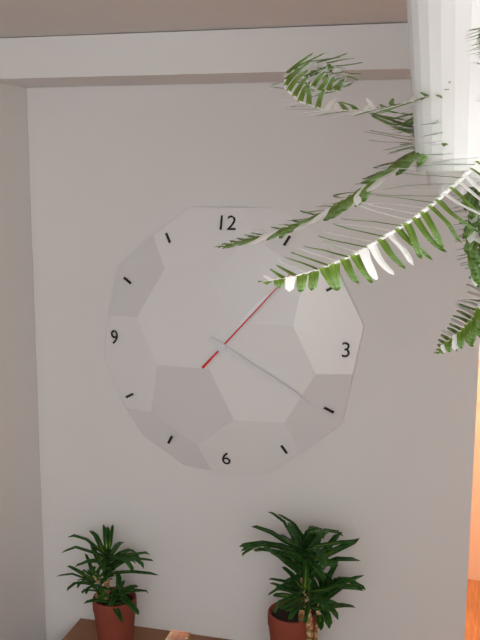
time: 1:20:07
